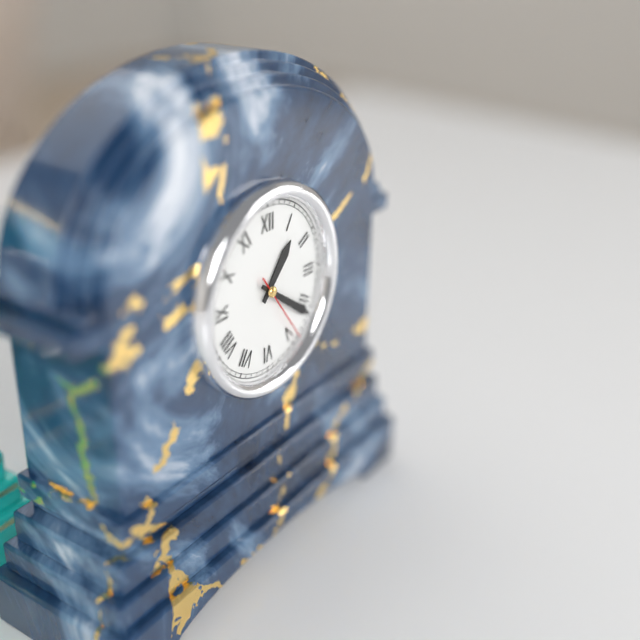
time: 1:21:24
